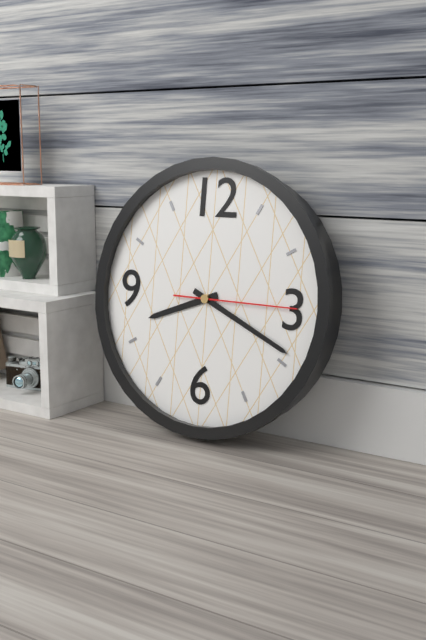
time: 8:19:15
